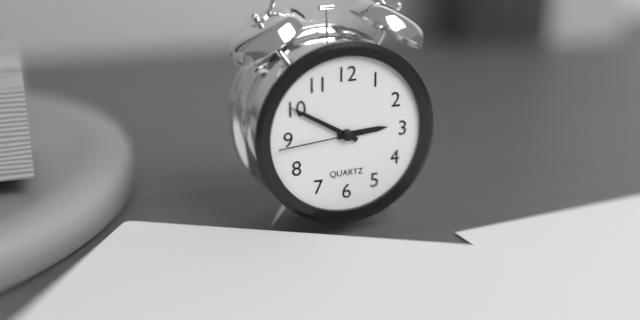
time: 2:50:44
